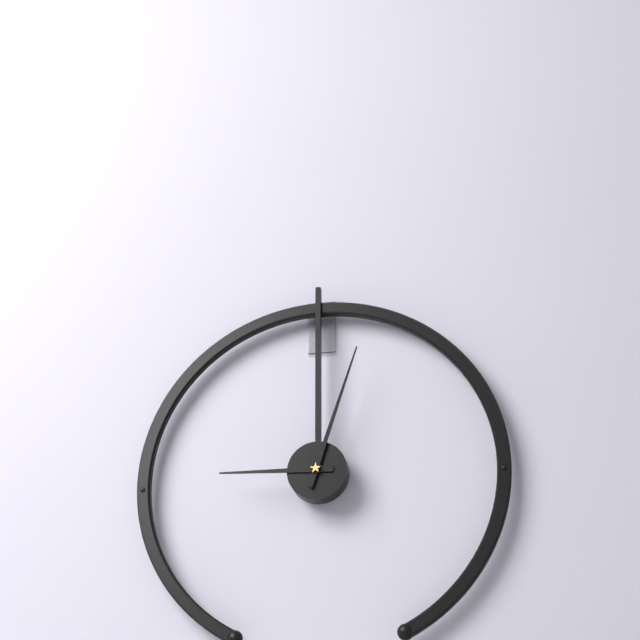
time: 9:03
